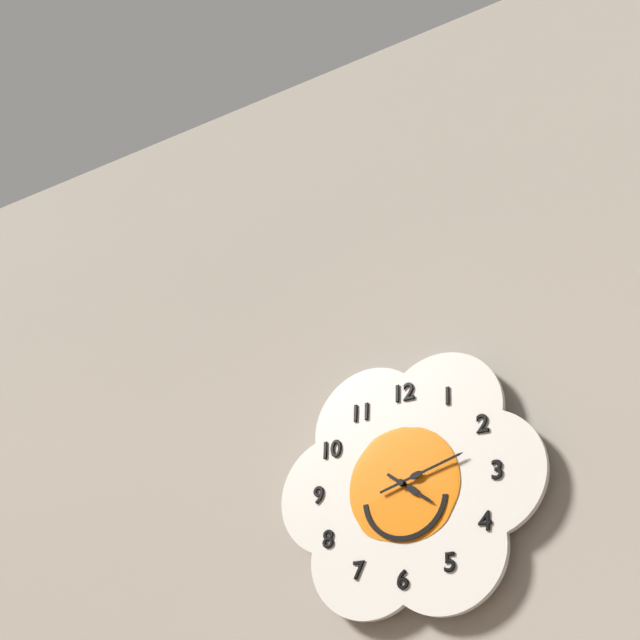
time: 4:12
